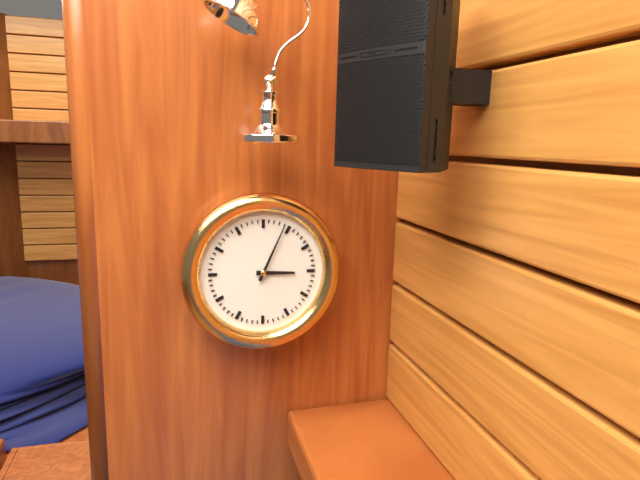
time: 3:04
